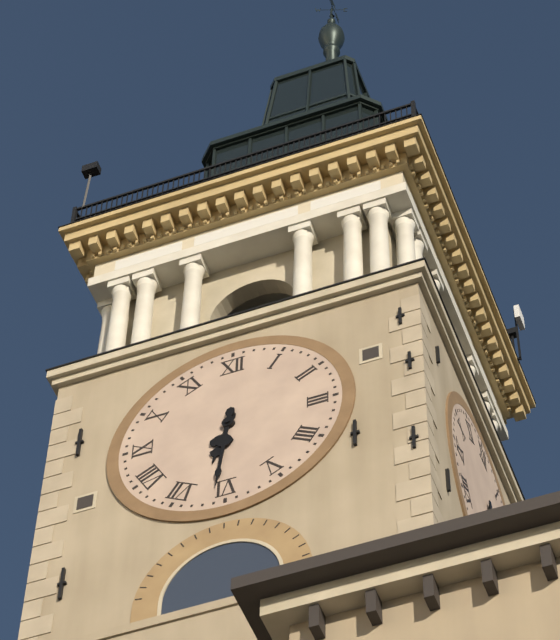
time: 6:31
